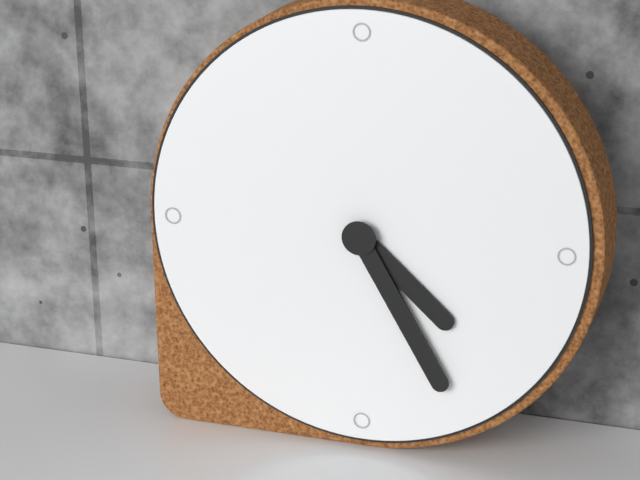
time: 4:25
